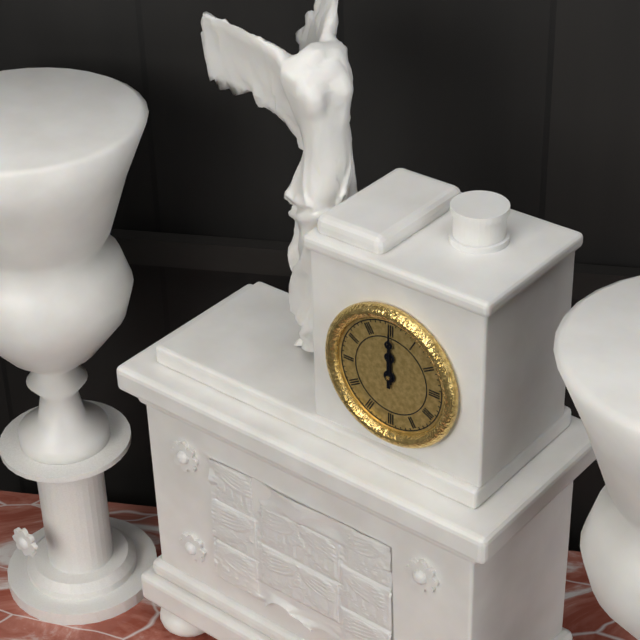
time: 12:00
